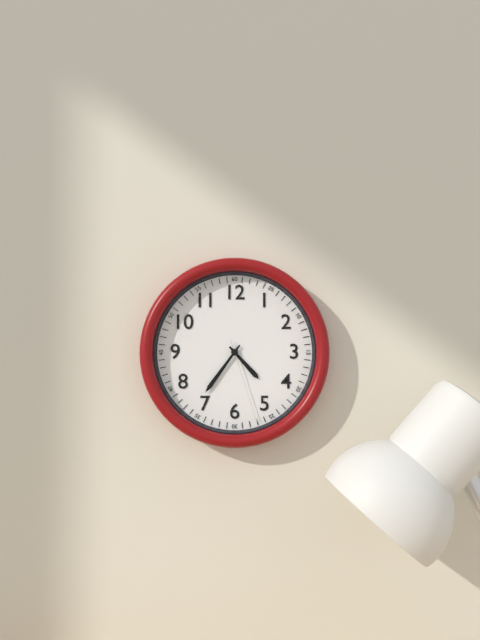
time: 4:36:27
